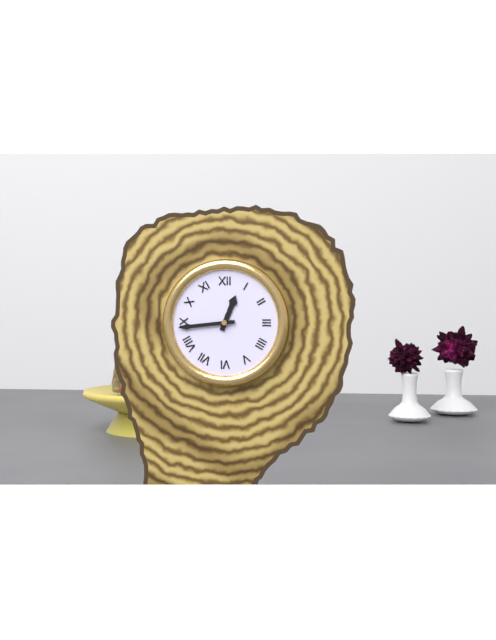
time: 12:44
